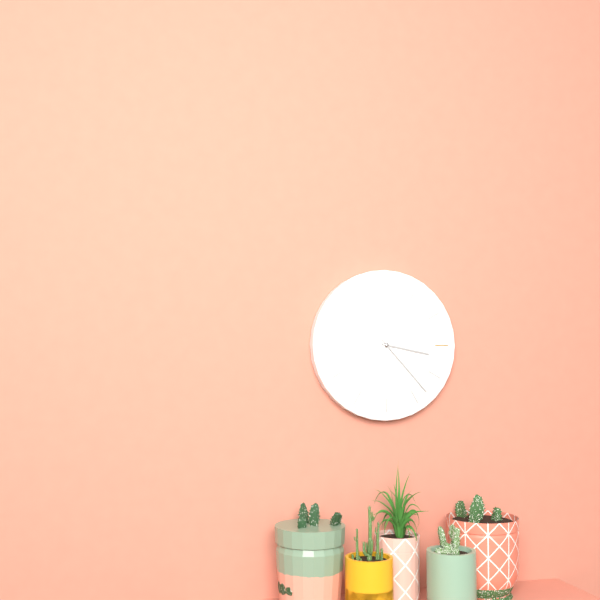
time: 3:23
